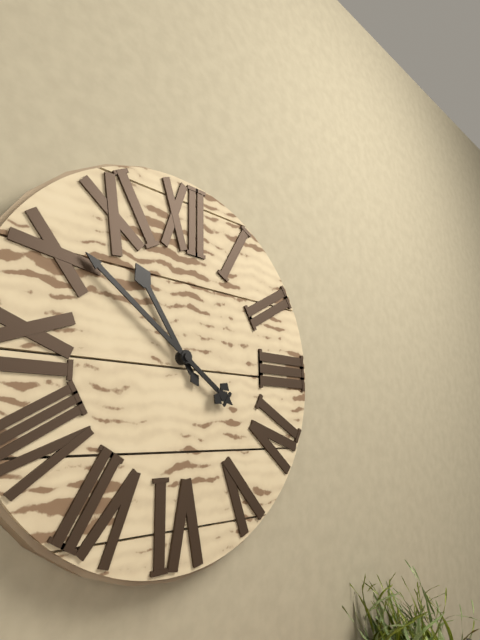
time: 10:51
